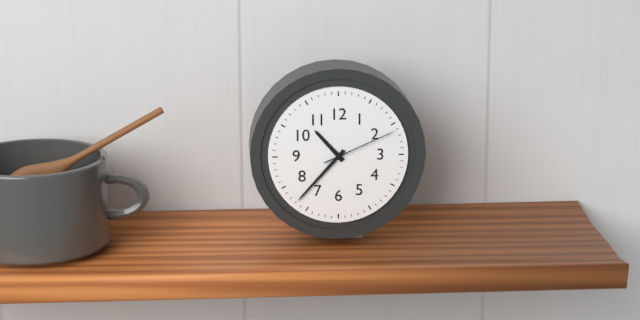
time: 10:37:11
